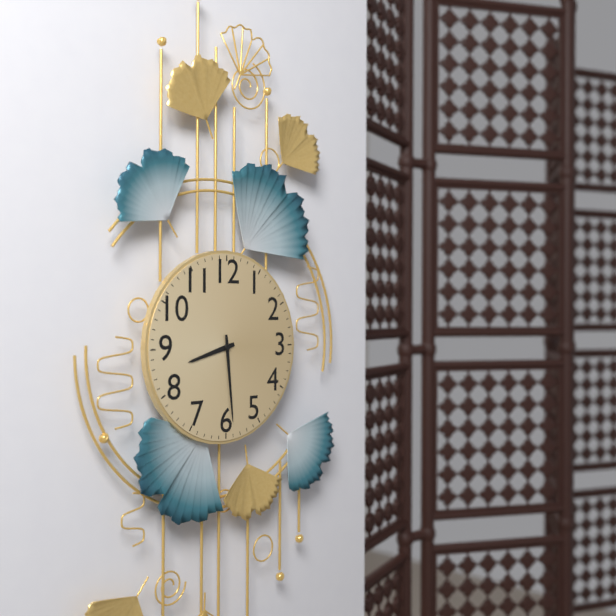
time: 8:29
